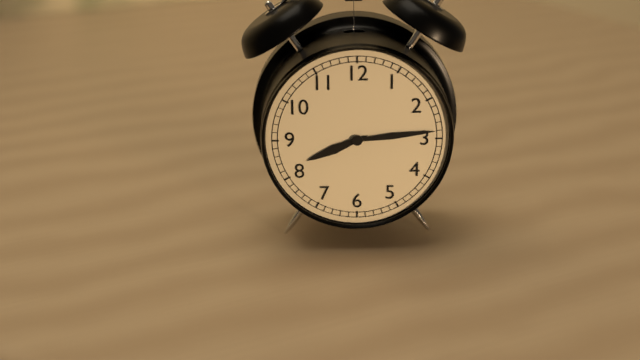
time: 8:14
